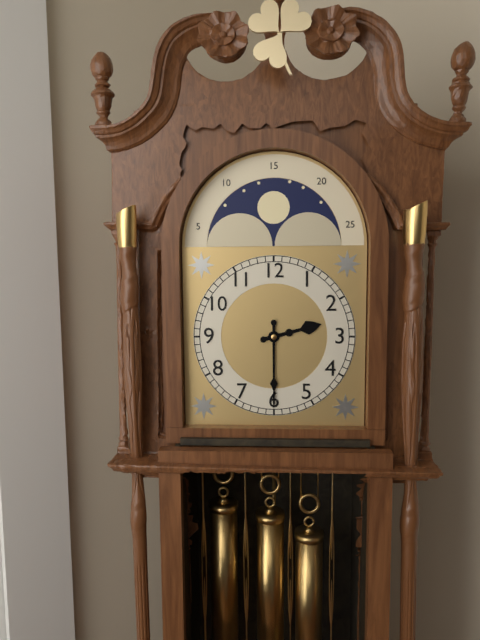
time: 2:30
